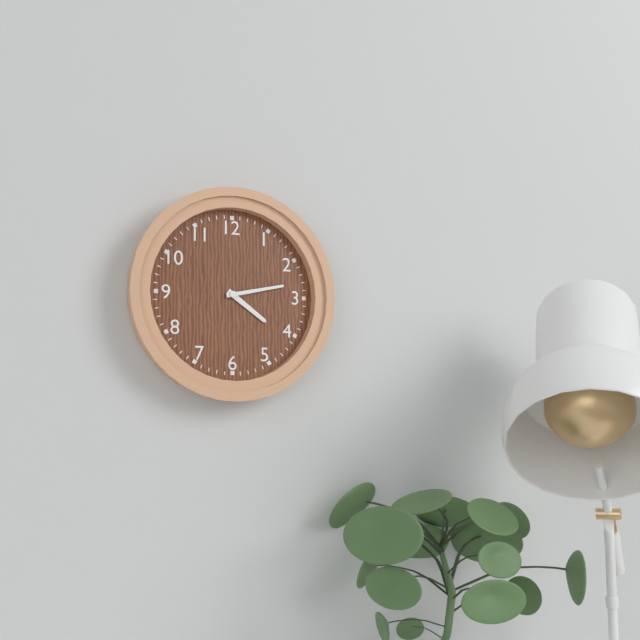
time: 4:13
